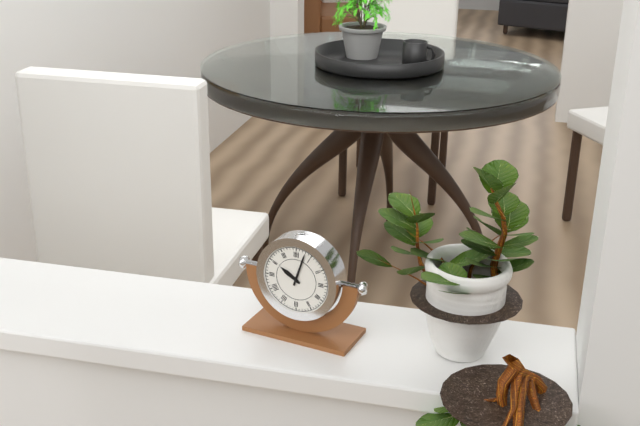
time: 10:03
